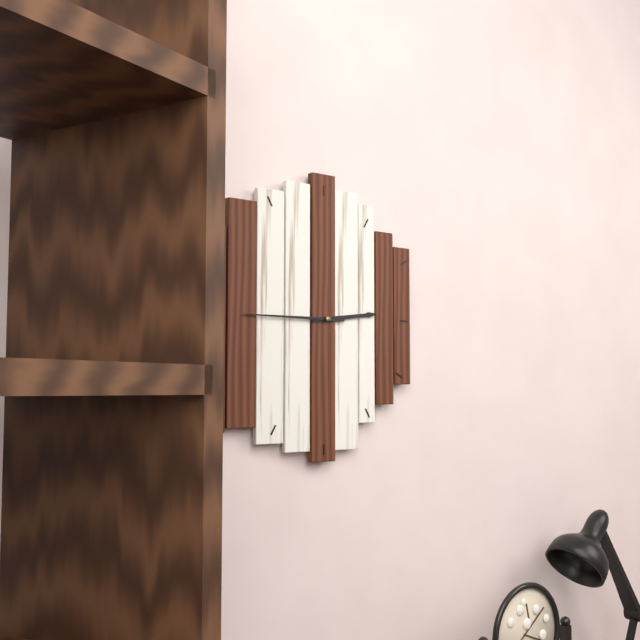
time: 2:45
